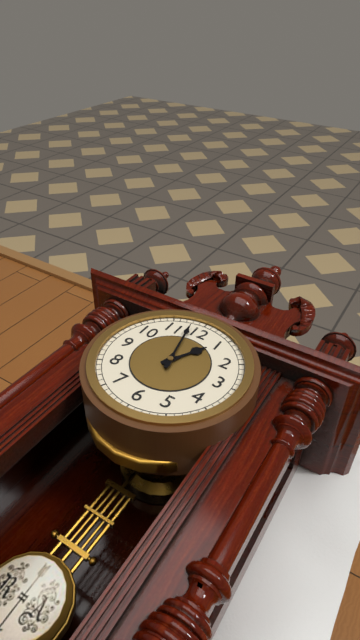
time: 12:58
